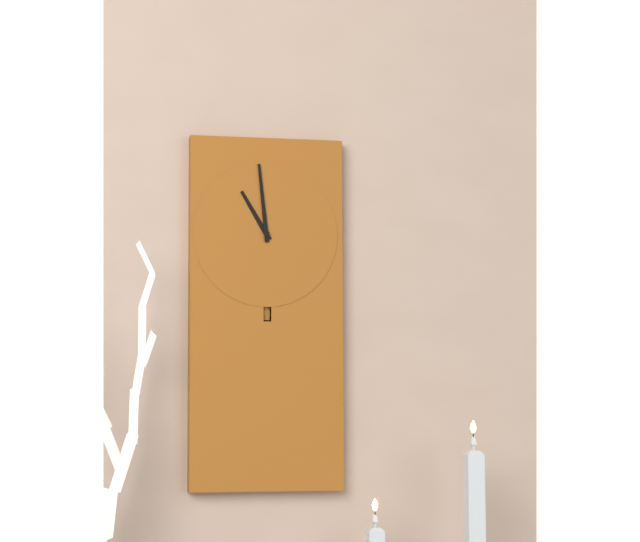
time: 10:59
